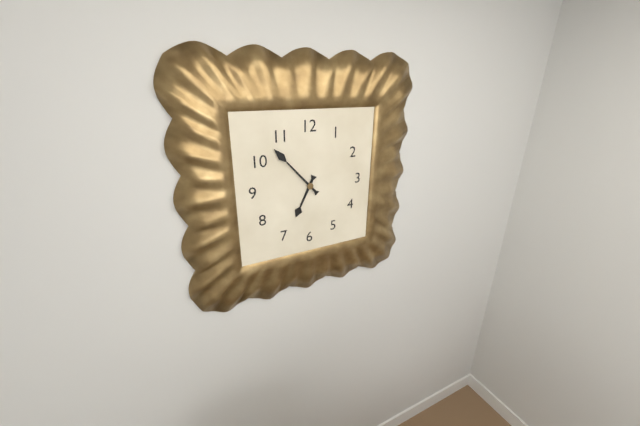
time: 6:53
